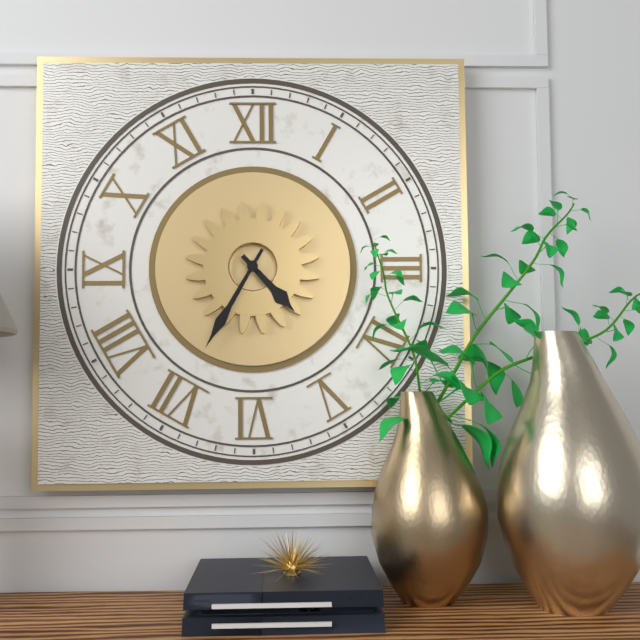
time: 4:35
